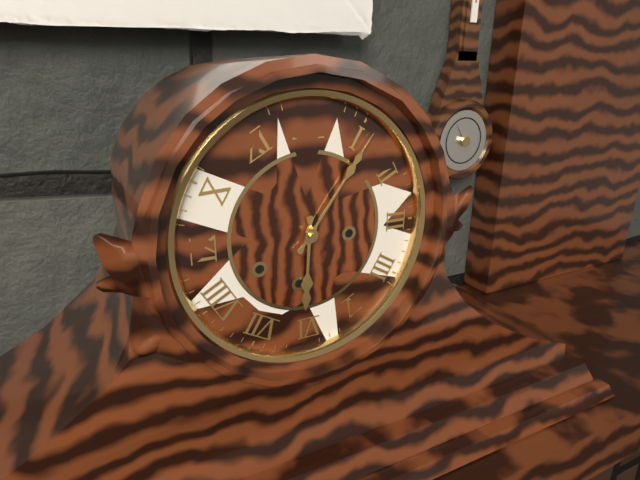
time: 6:06
